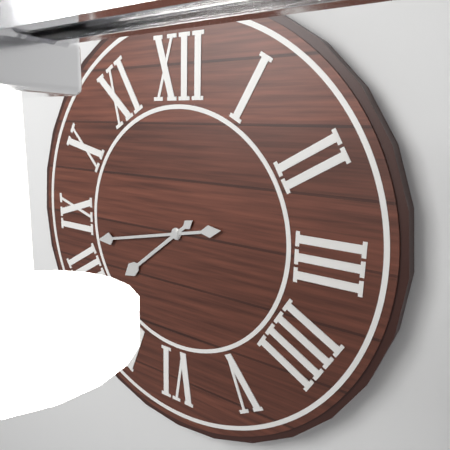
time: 7:43
